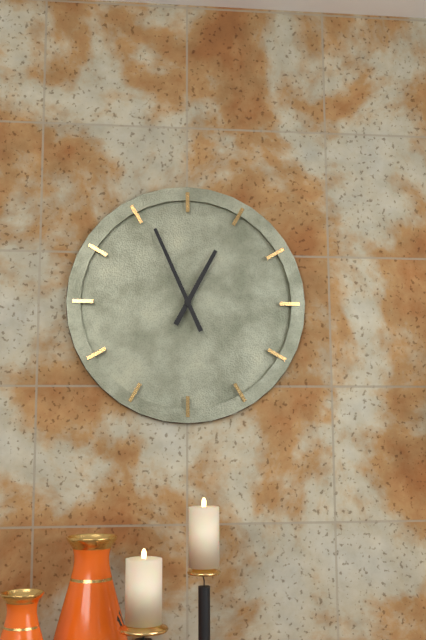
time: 12:56
